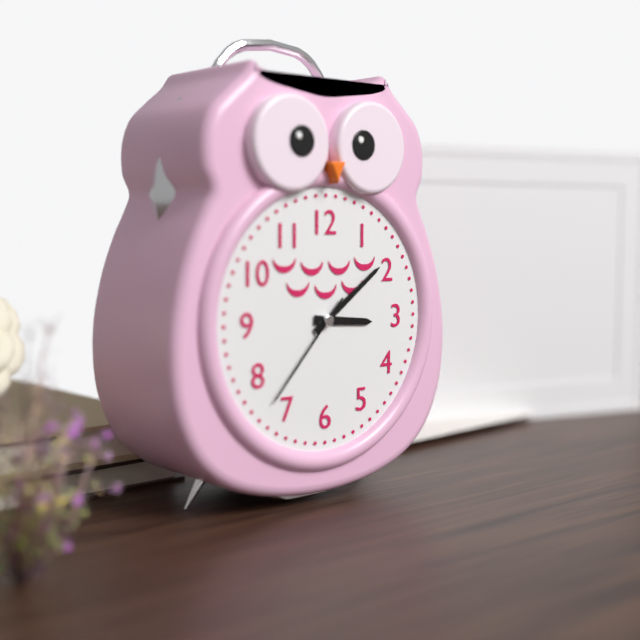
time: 3:09:37
